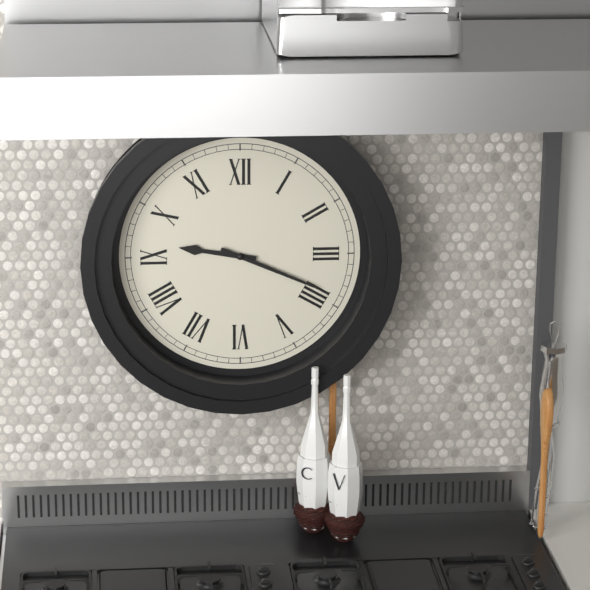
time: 9:19
